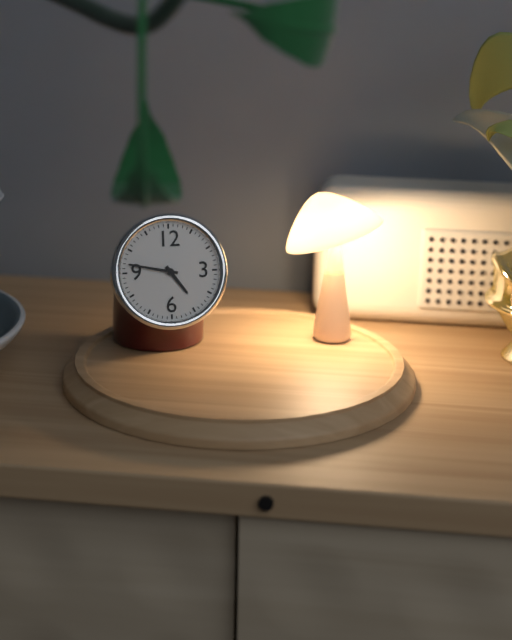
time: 4:47
